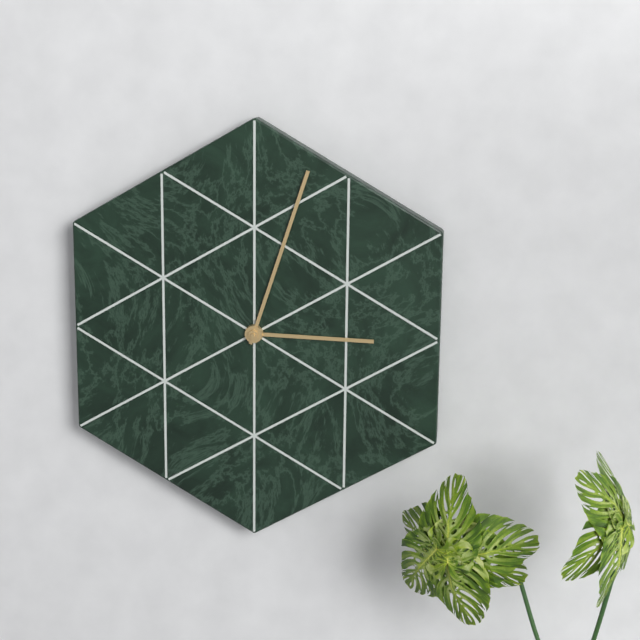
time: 3:03
